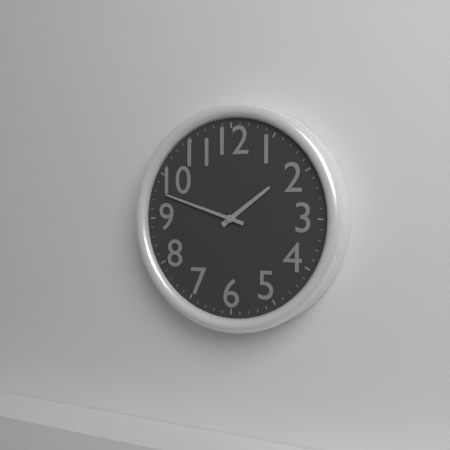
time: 1:48
